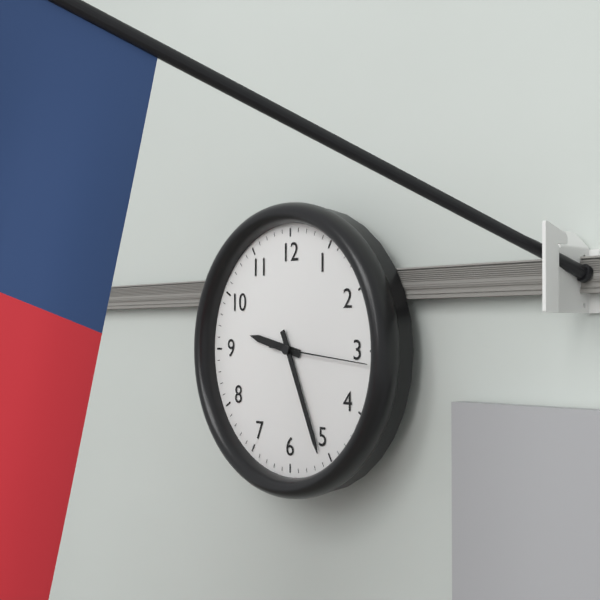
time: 9:26:16
